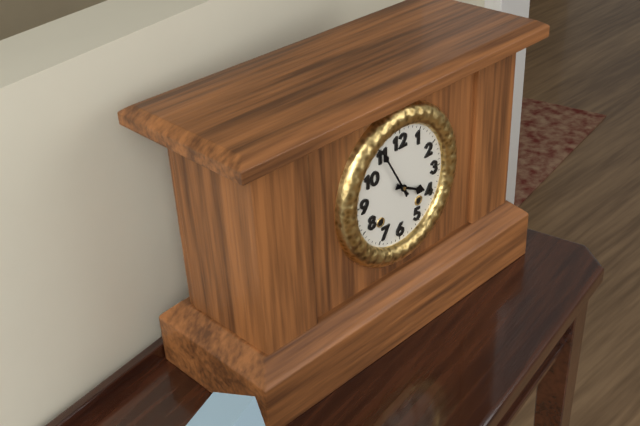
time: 3:55
